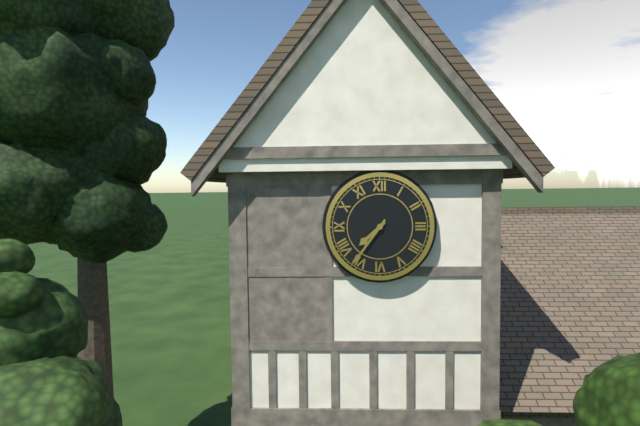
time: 7:36
